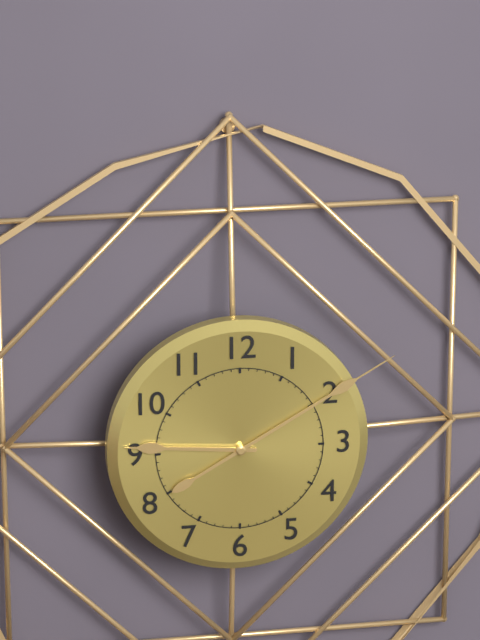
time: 9:10
